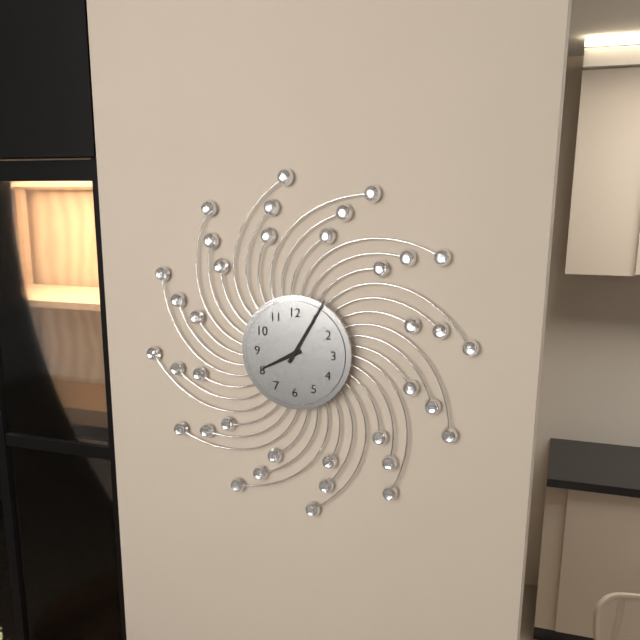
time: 8:05
